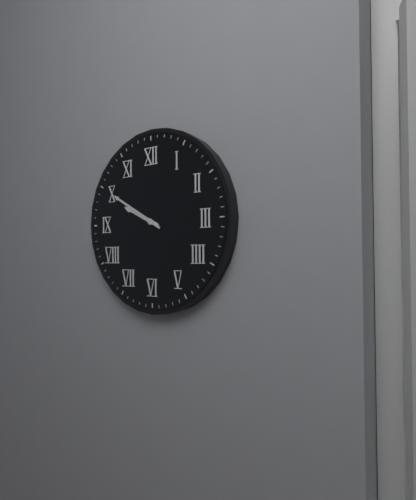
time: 9:50
